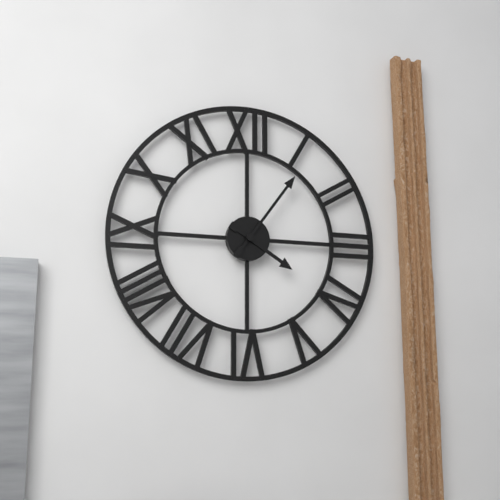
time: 4:06
